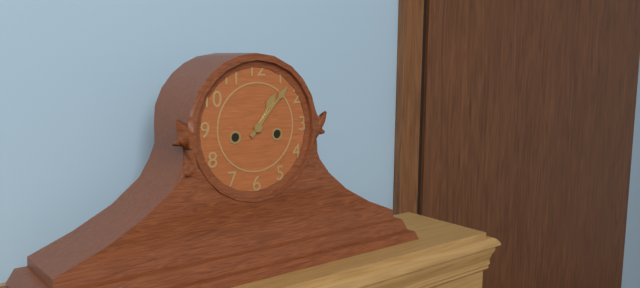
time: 1:07
